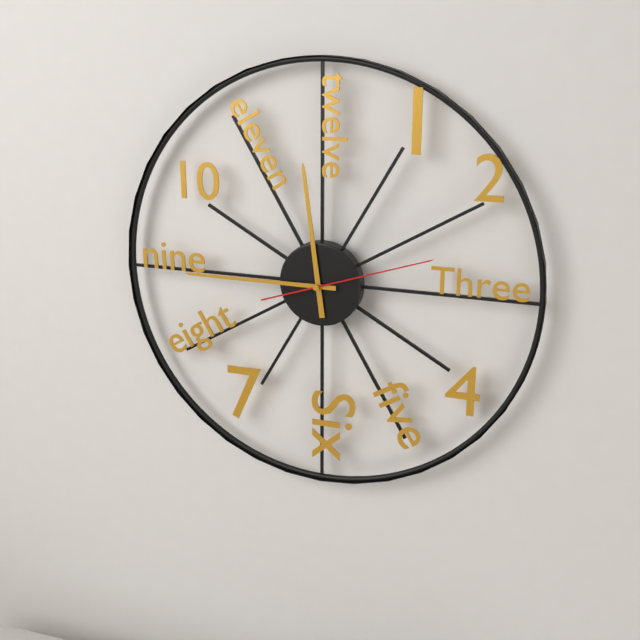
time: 11:45:12
